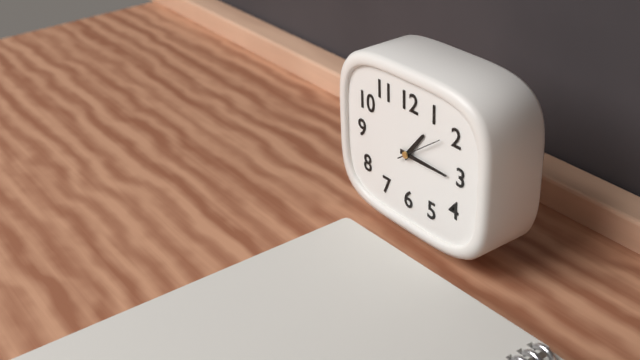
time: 1:15
